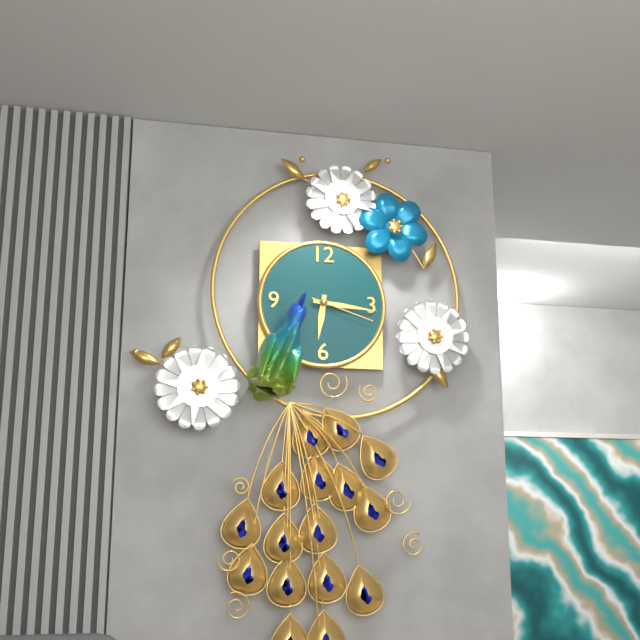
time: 6:16:18
